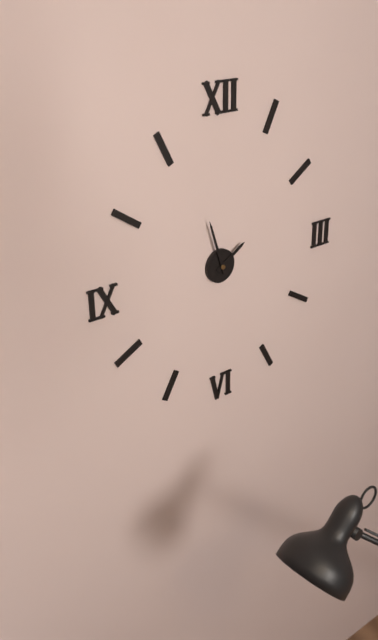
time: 1:57
